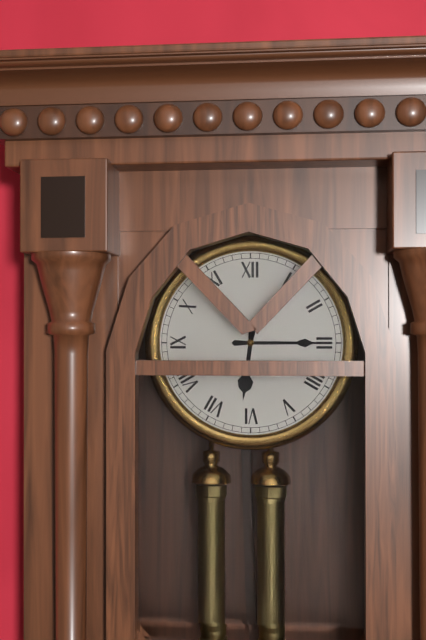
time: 6:15
